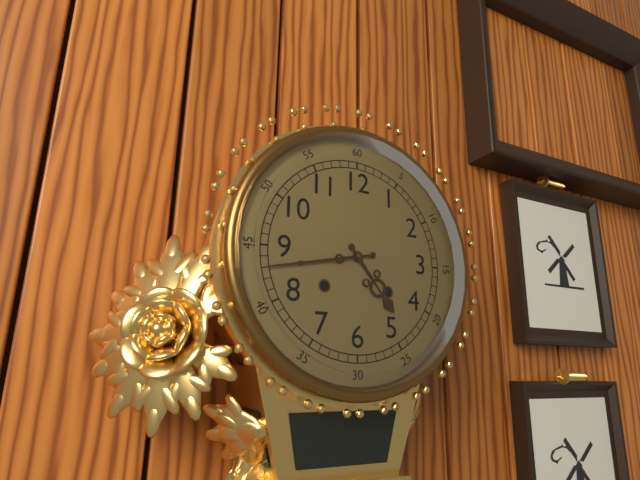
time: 4:43
